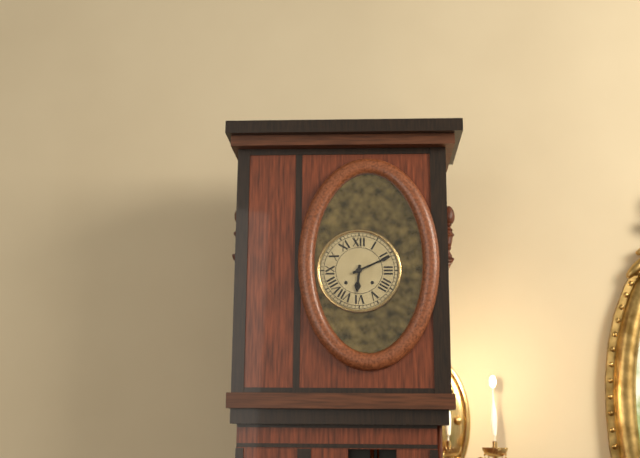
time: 6:11
